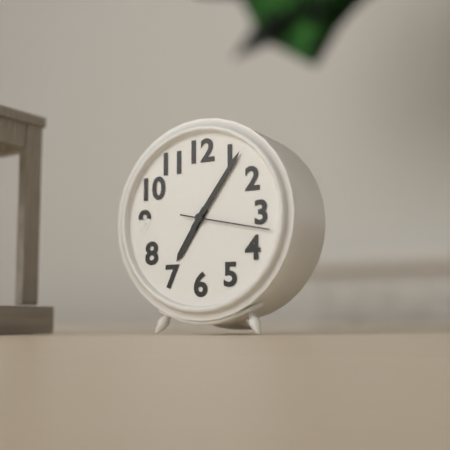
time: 7:06:17
